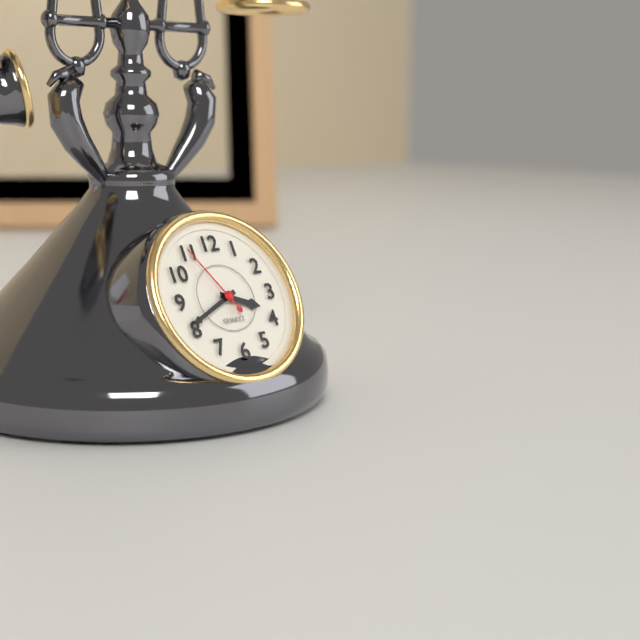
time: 3:41:55
